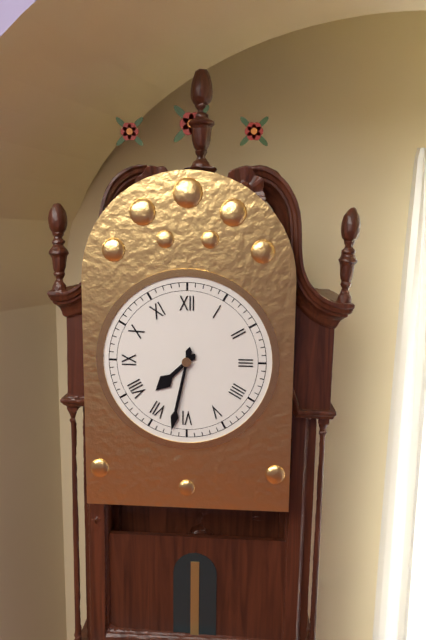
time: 7:32
